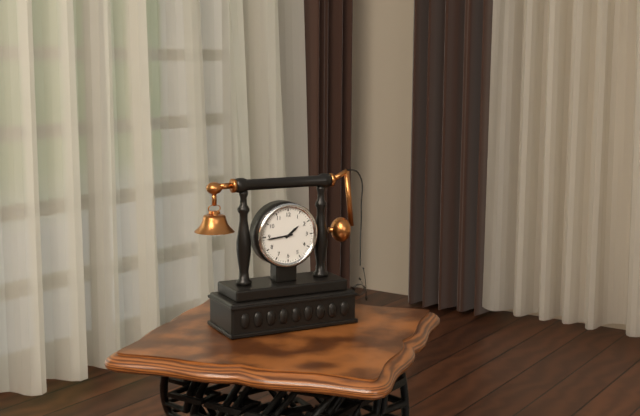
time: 1:44
